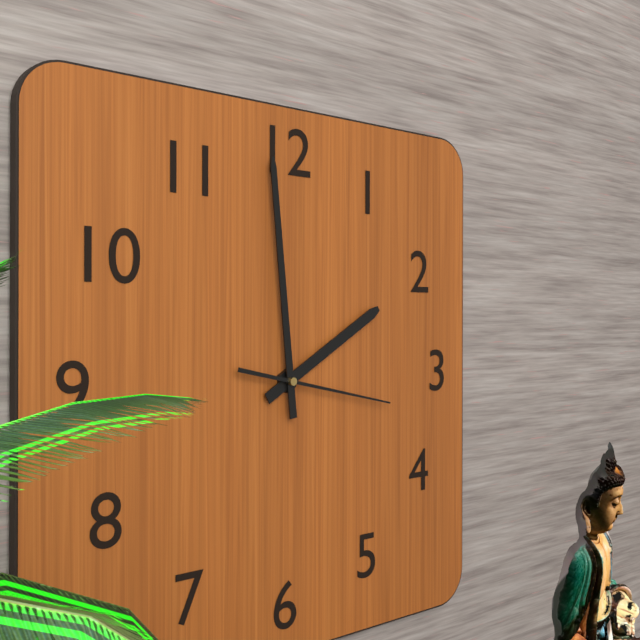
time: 1:59:17
